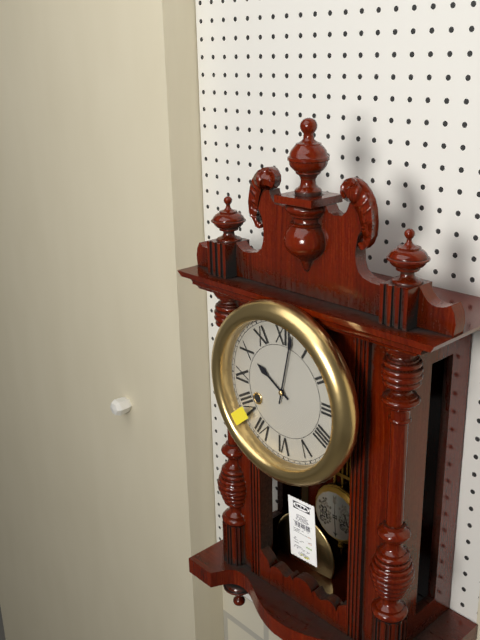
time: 10:02
